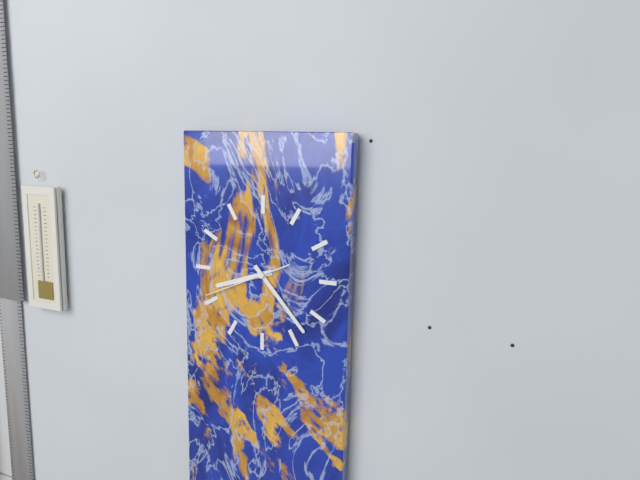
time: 8:23:41
